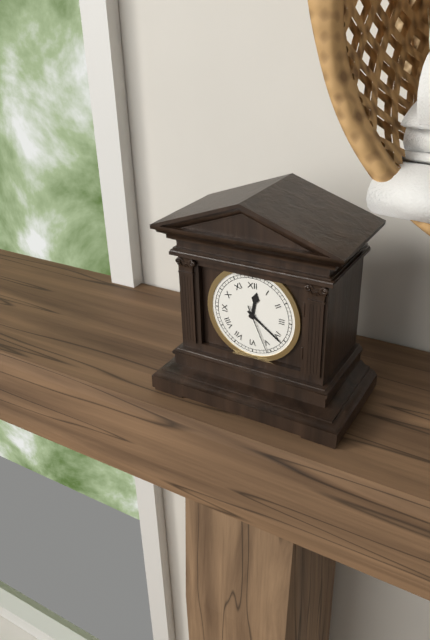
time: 12:21:26
